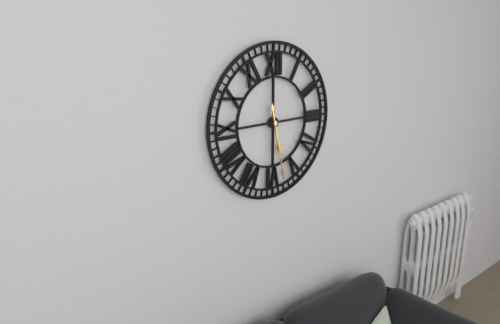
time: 5:28
